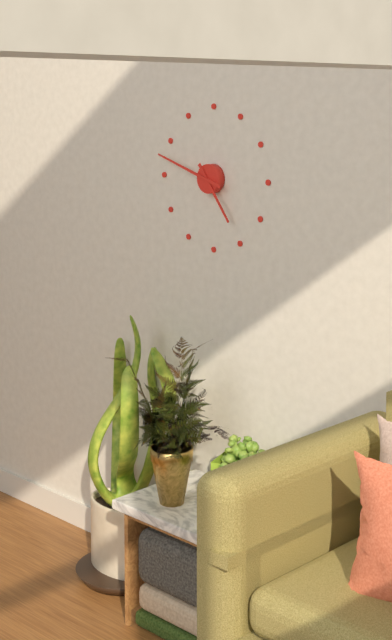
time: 4:48
